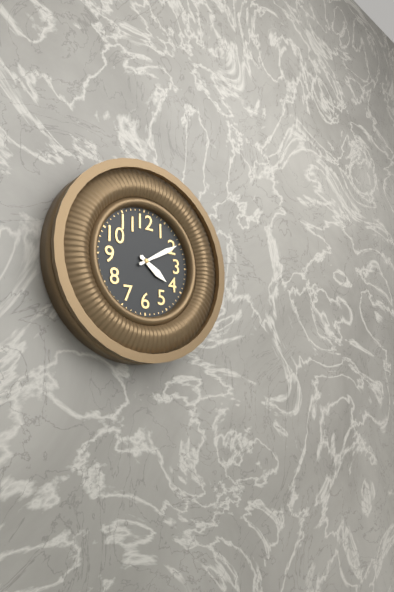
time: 4:10
